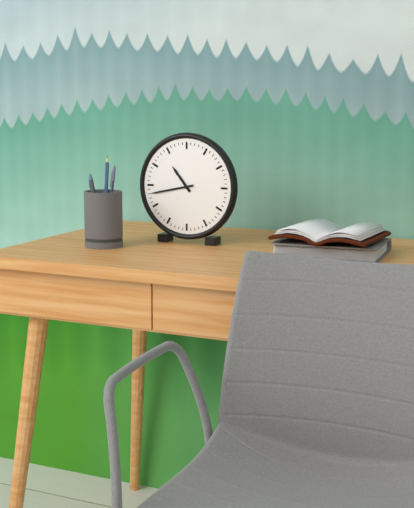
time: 10:43
